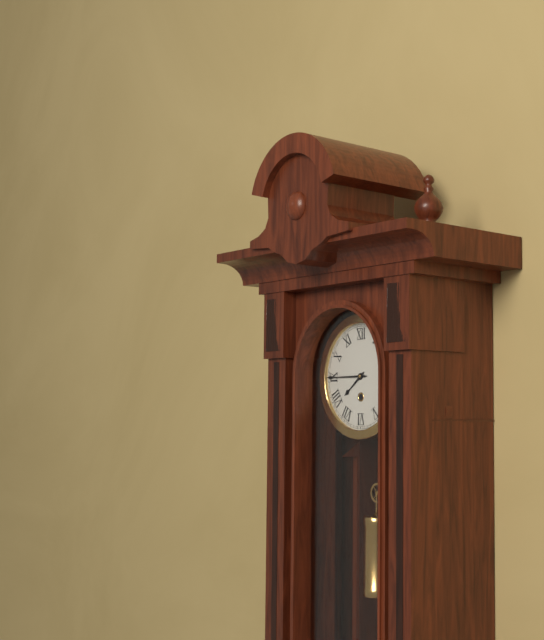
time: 7:45
